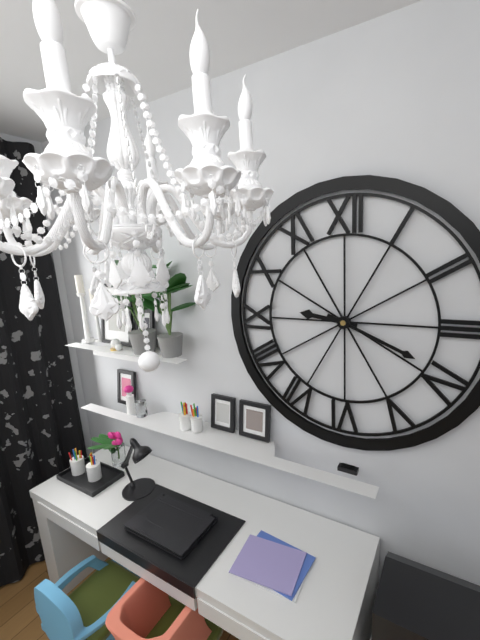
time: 9:19
